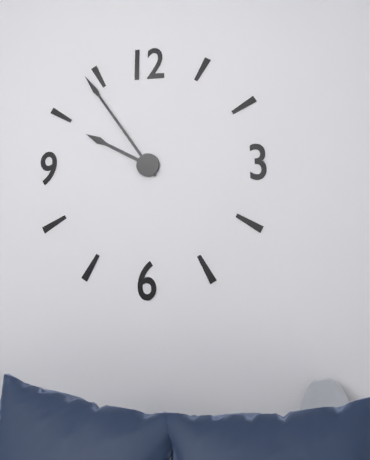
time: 9:54
